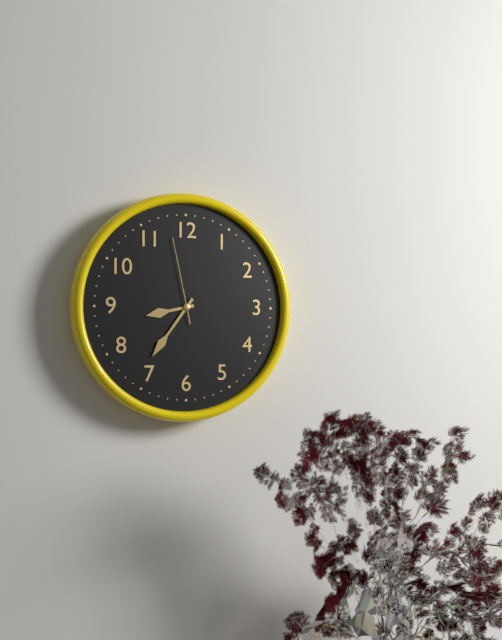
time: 8:36:58
